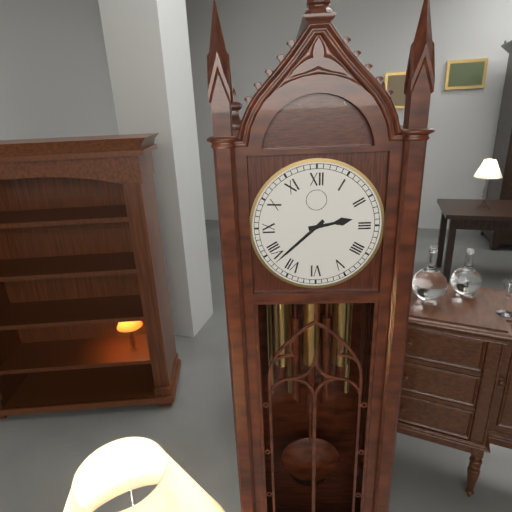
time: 2:38
